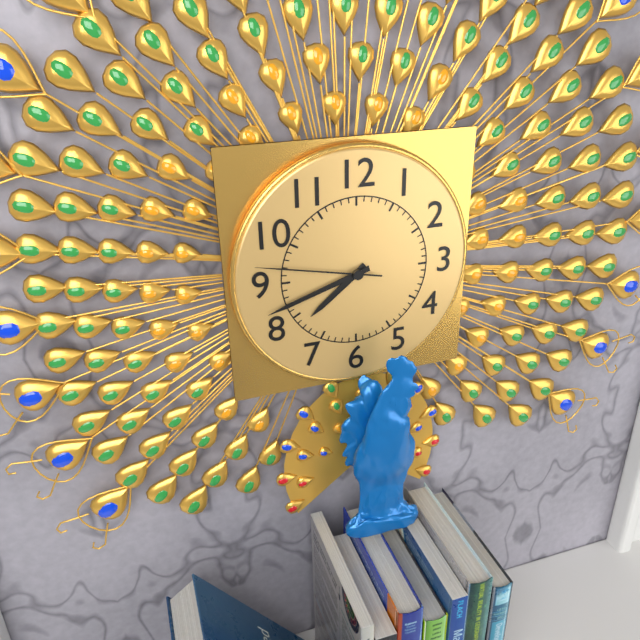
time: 7:42:47
